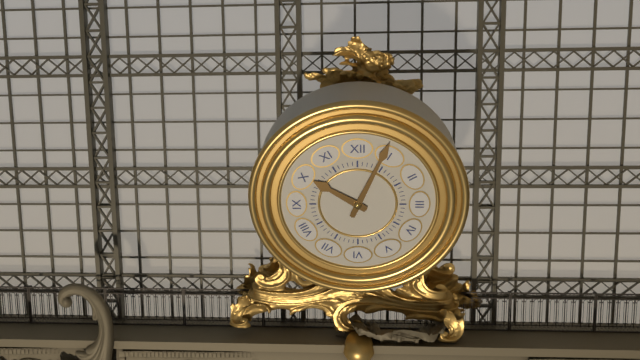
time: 10:04
